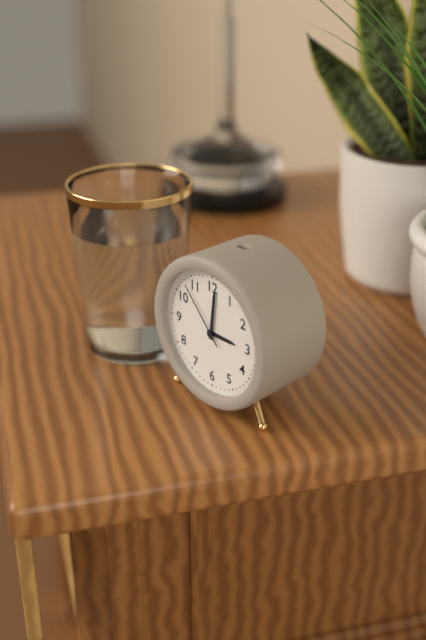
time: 3:01:53
